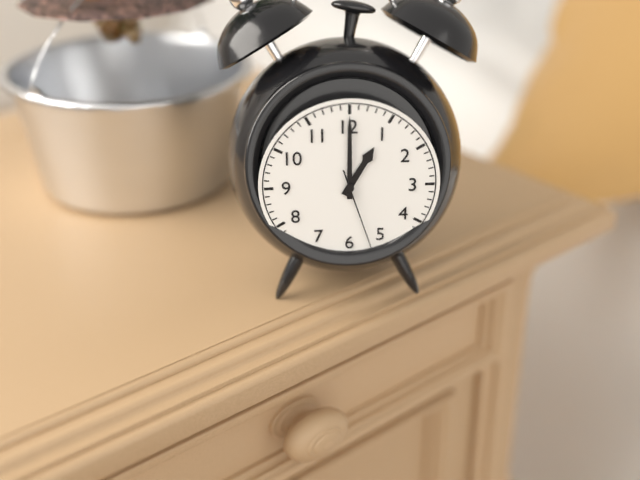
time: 1:00:27
